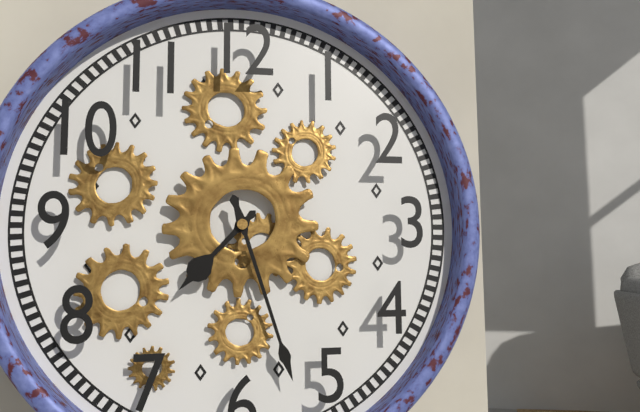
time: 7:27
